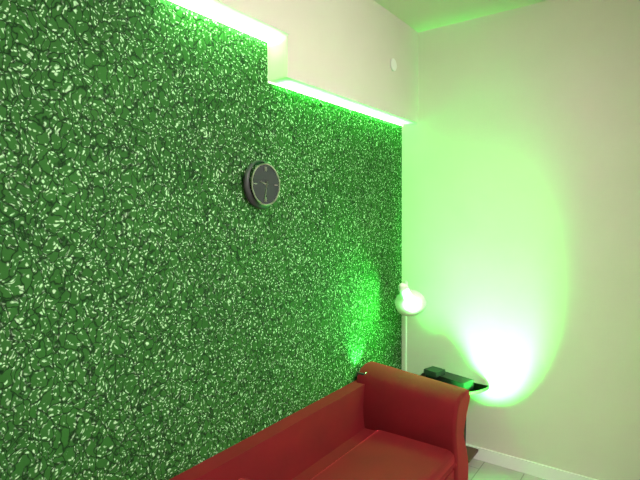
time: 9:32
